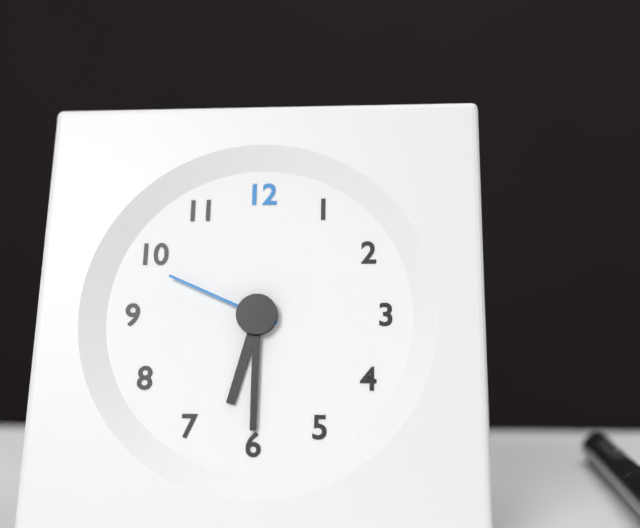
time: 6:30:49
